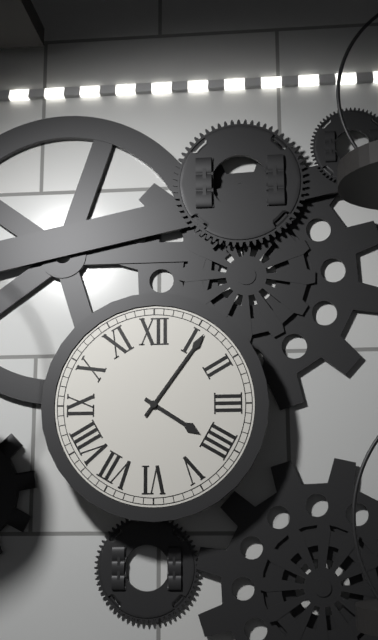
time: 4:06
